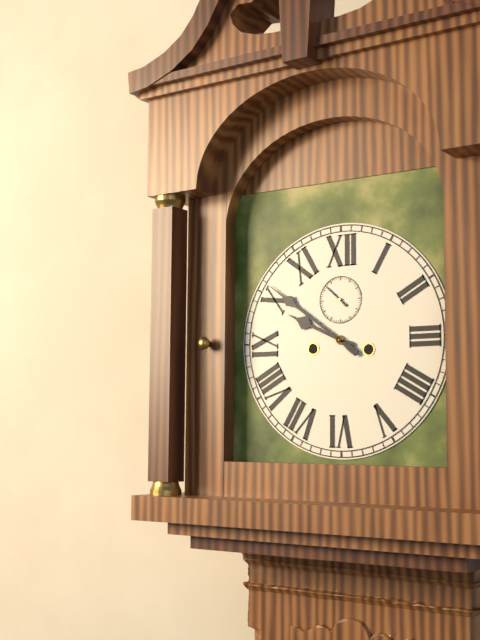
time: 9:51
